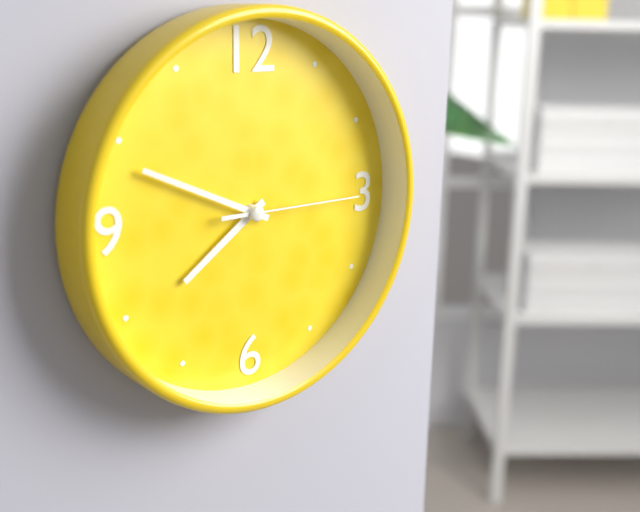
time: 7:49:15
